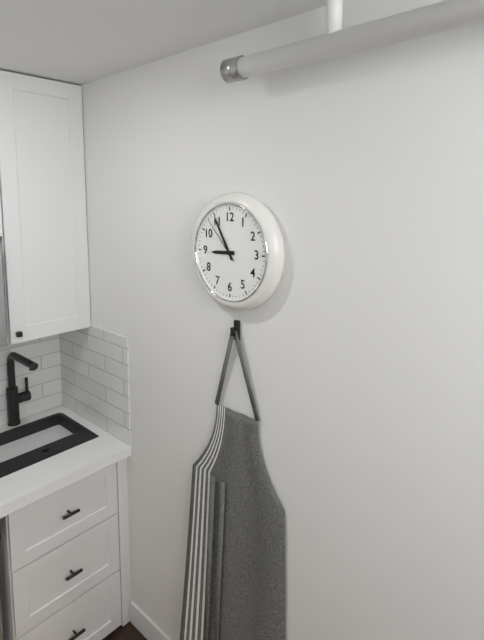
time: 8:55:53
